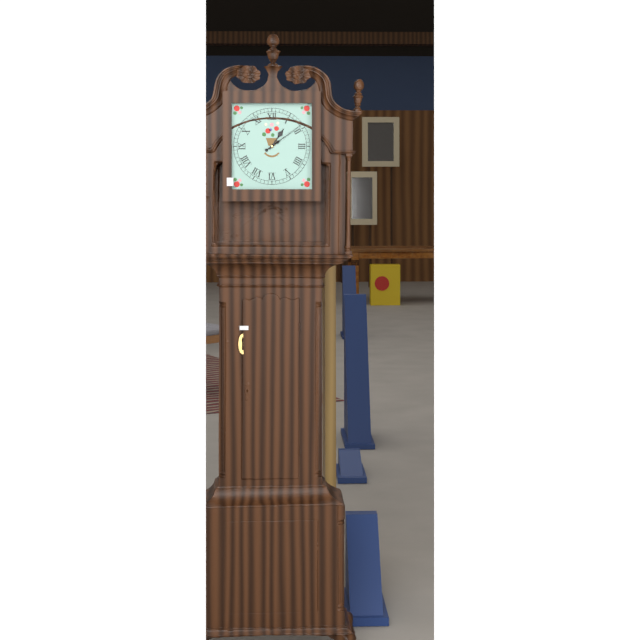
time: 1:09
